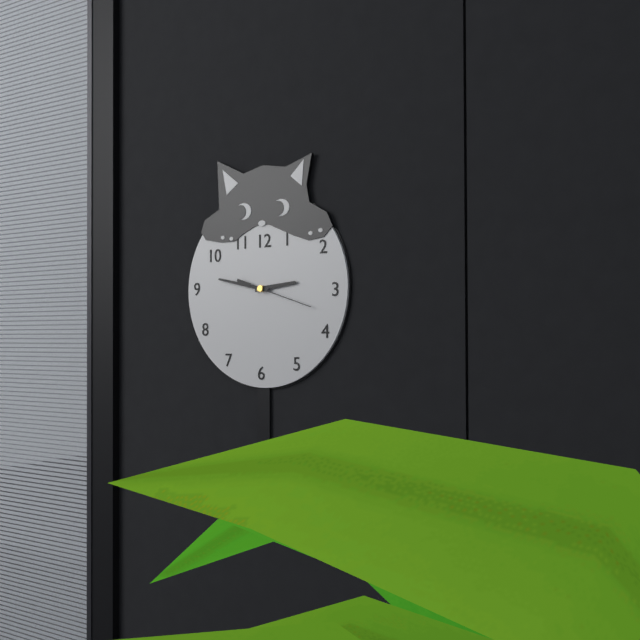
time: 2:47:18
